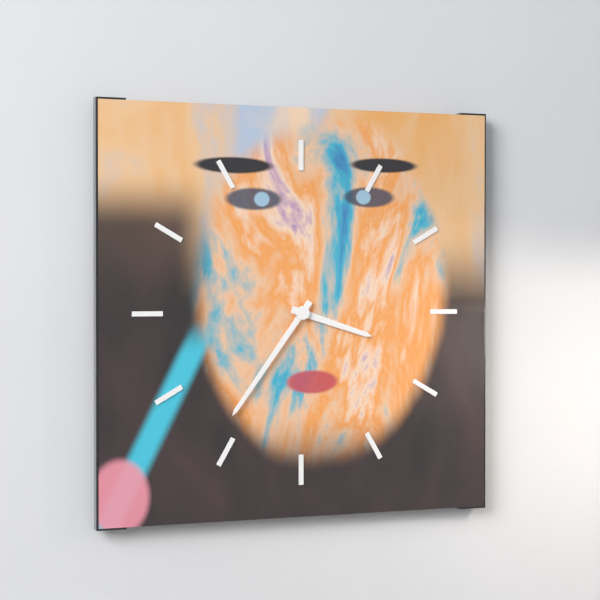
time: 3:36
